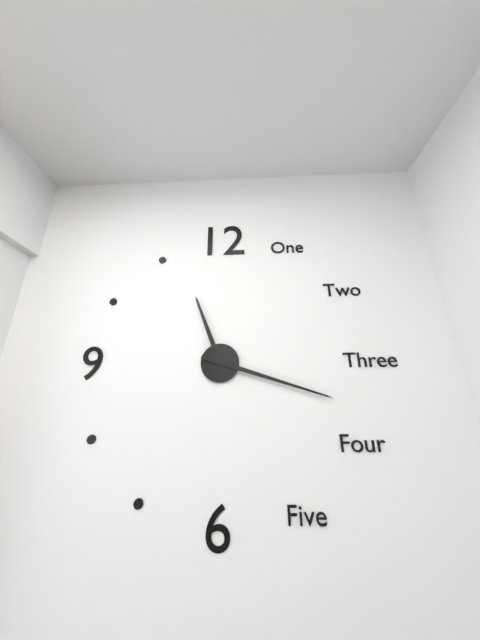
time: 11:18
